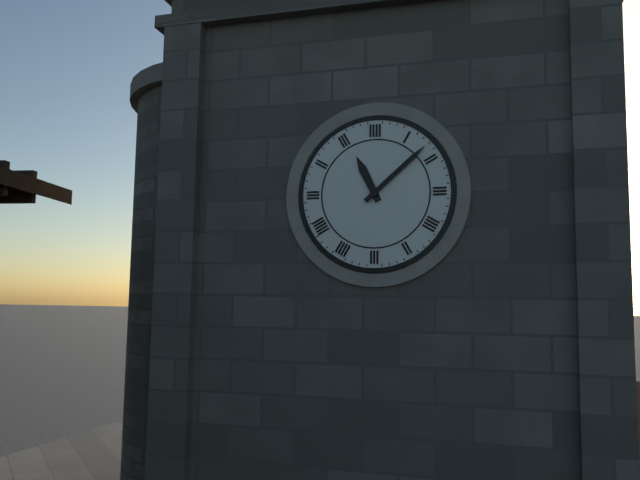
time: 11:08
